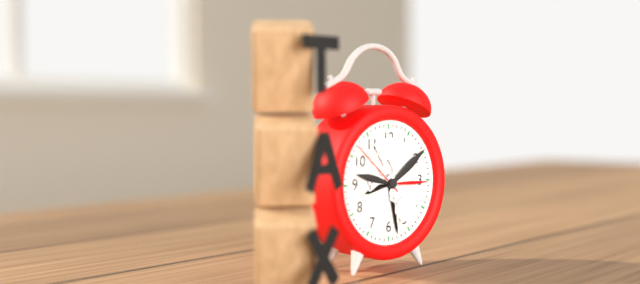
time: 8:28
